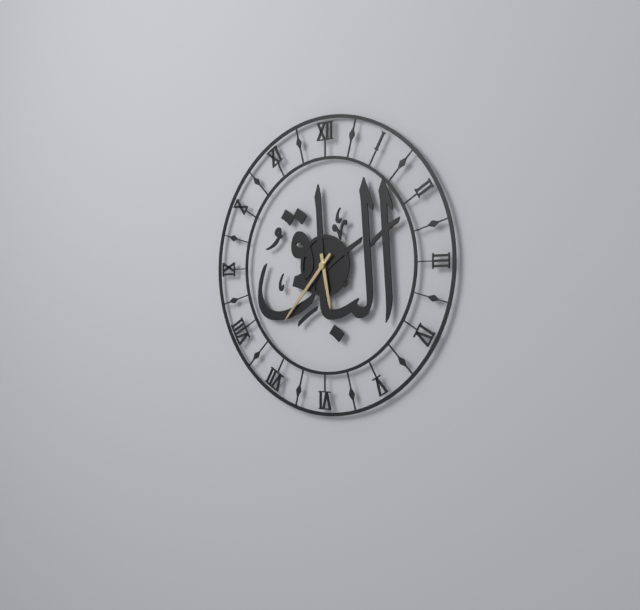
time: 5:37
